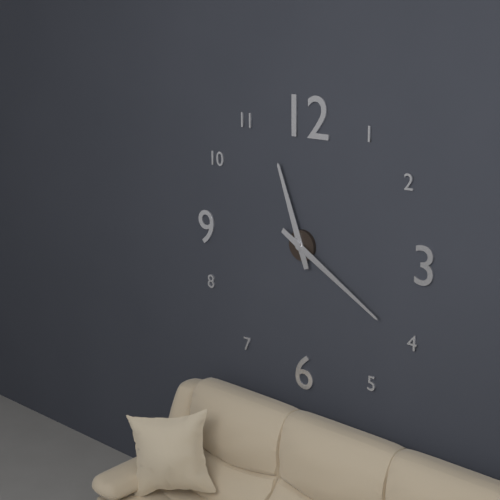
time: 11:20
